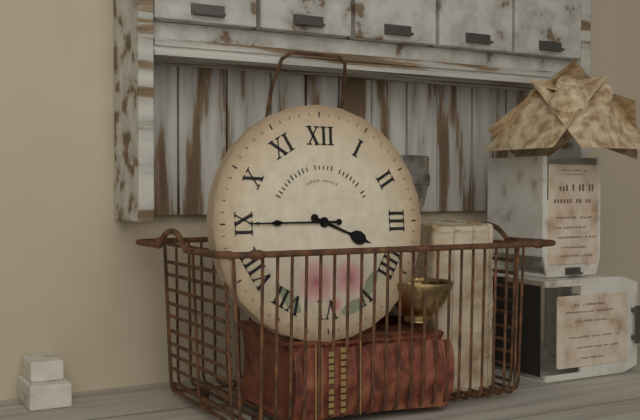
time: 3:45
